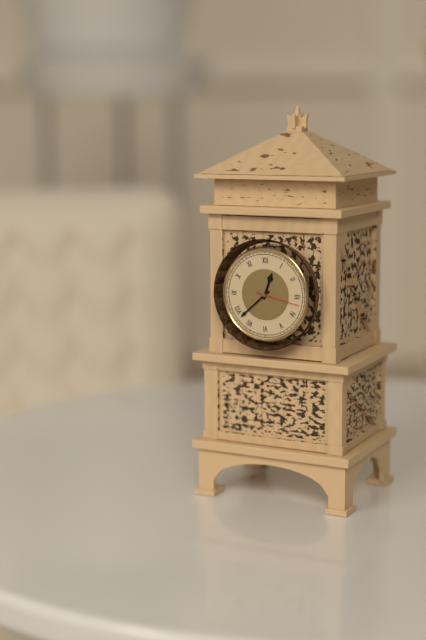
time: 12:38
